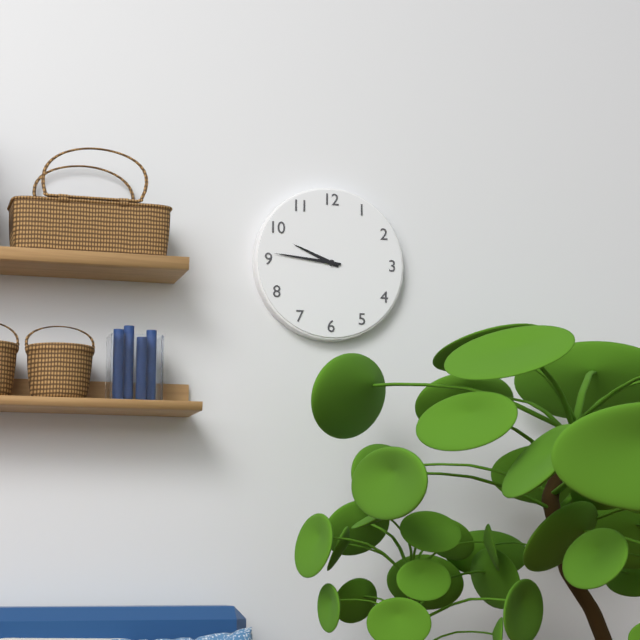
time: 9:46
